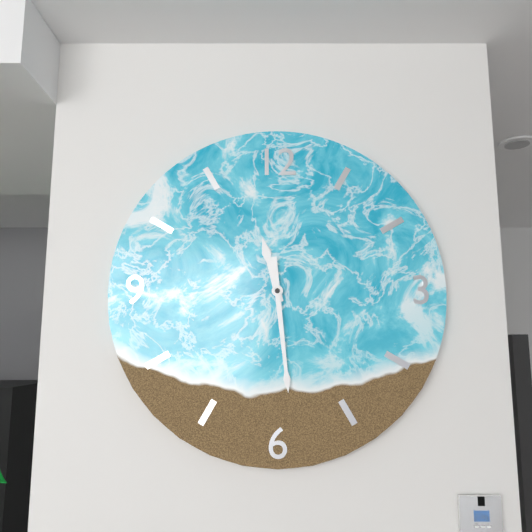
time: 11:29
